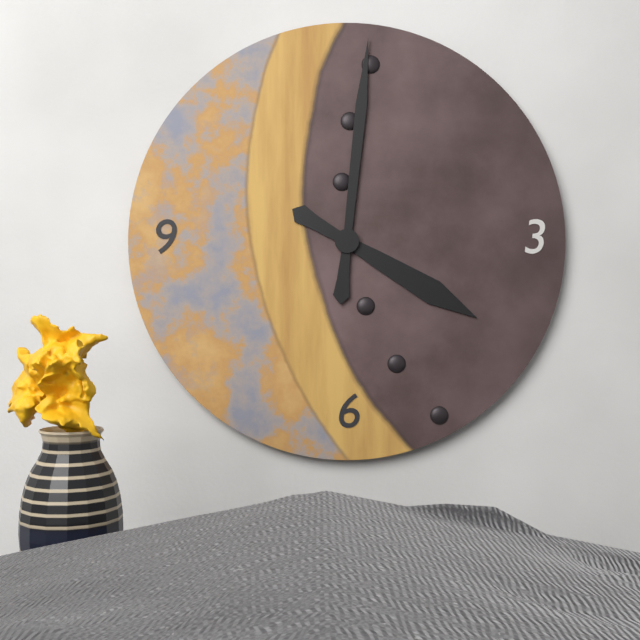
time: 4:01
